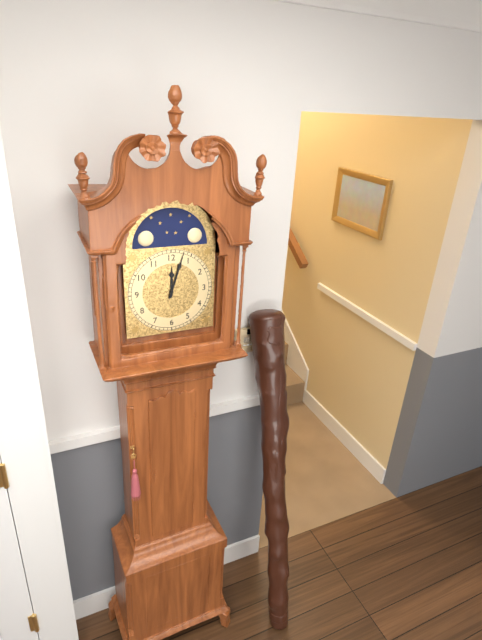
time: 12:03
